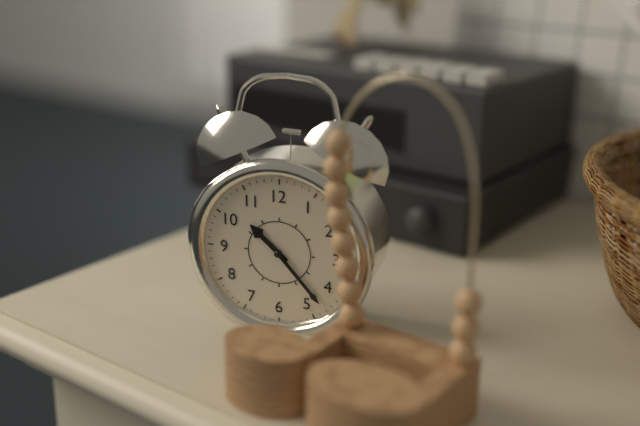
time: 10:23
